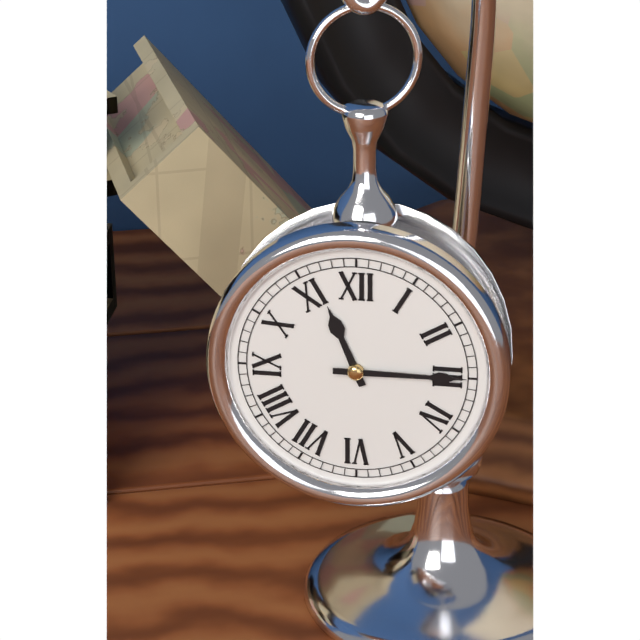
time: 11:15
